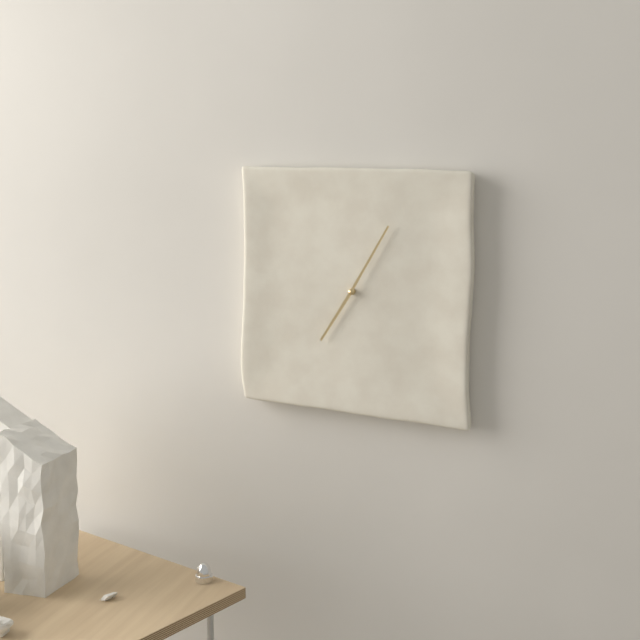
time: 7:05
